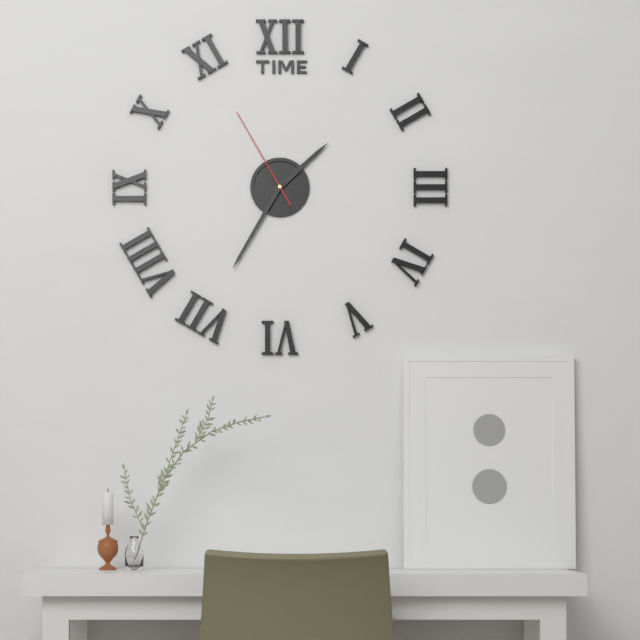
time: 1:35:55
